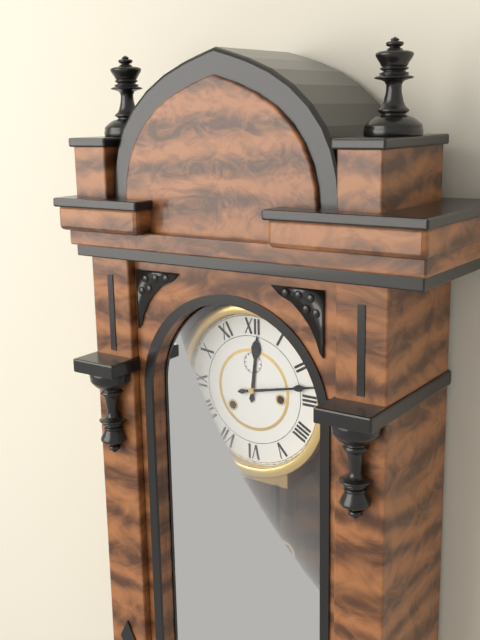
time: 12:13
